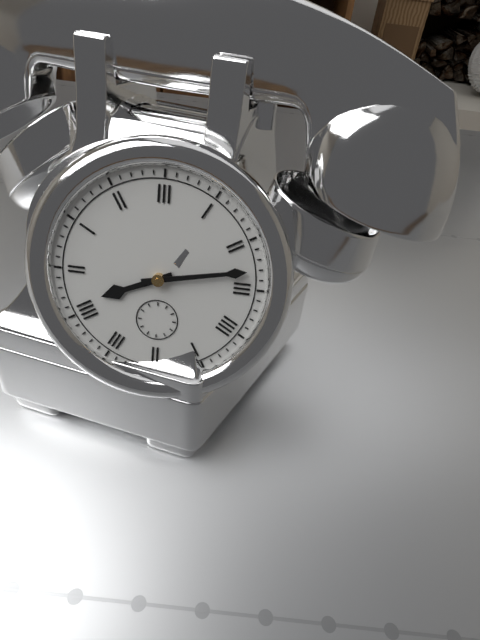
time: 8:13
